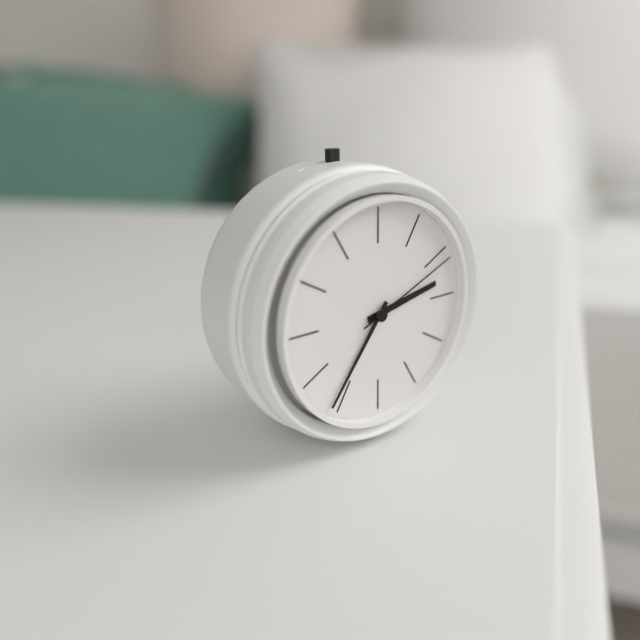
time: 2:36:11
